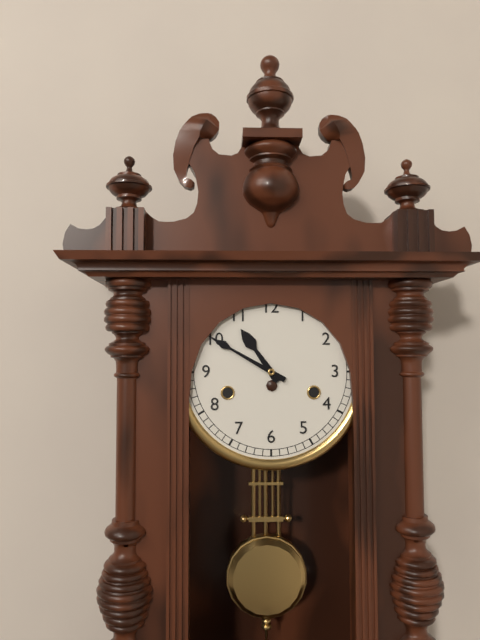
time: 10:50
